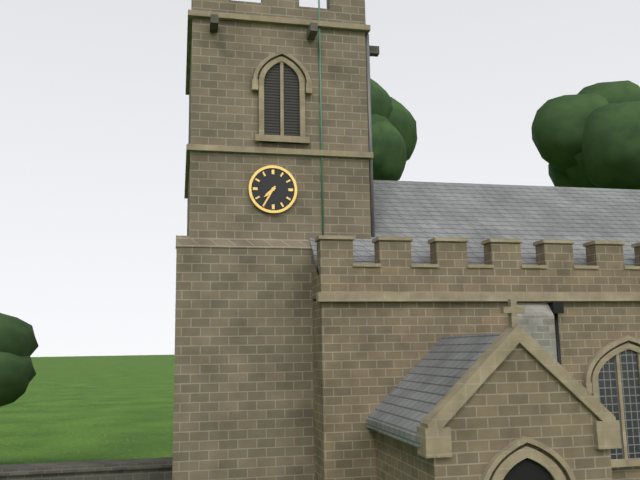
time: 7:35
